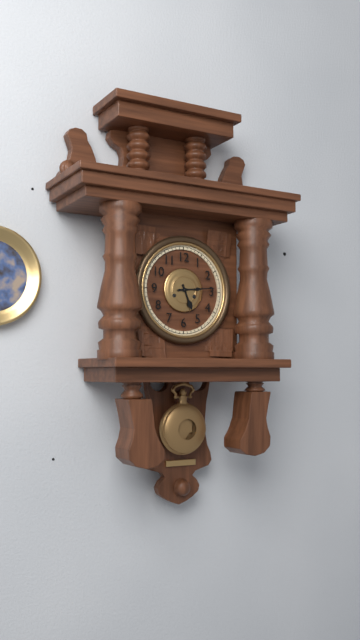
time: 5:14
